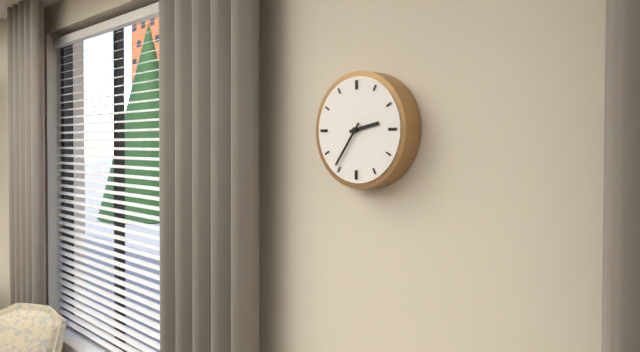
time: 2:36
